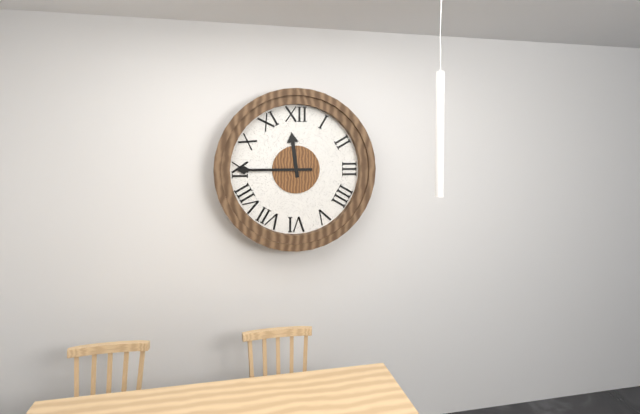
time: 11:45
